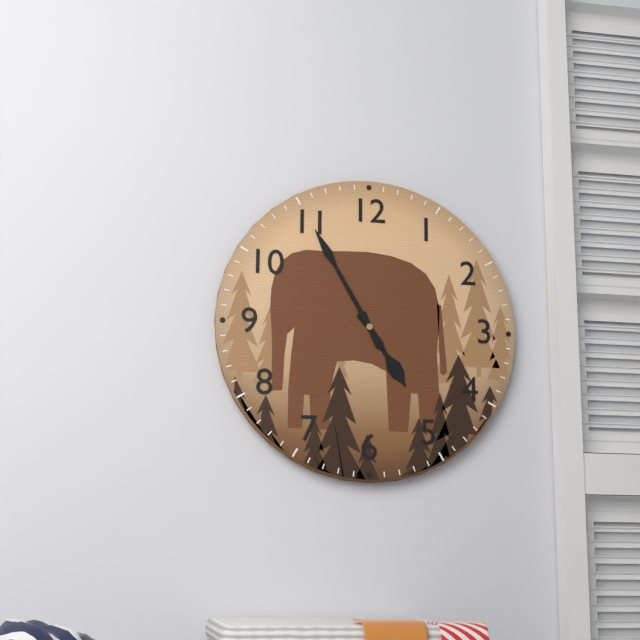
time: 4:55
